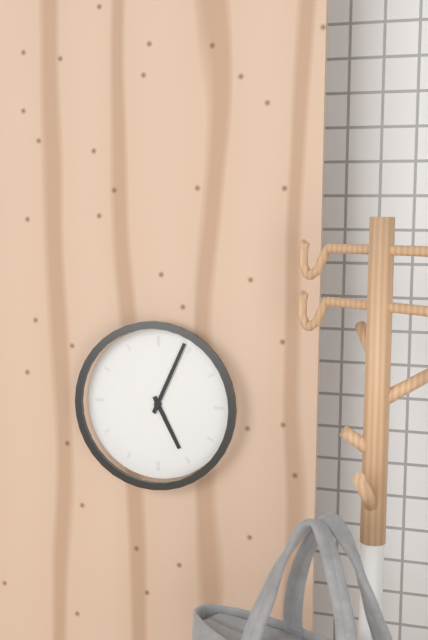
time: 5:04
